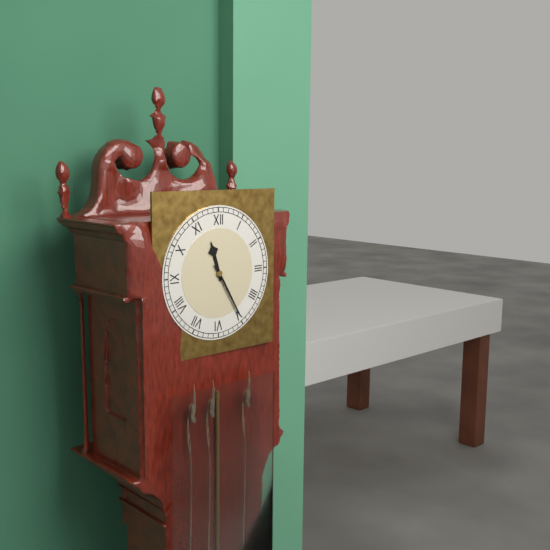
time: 11:25
